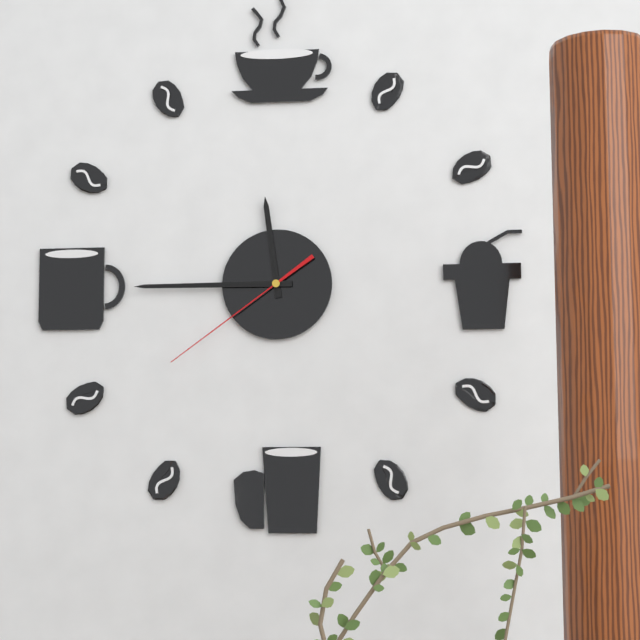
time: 11:45:39
